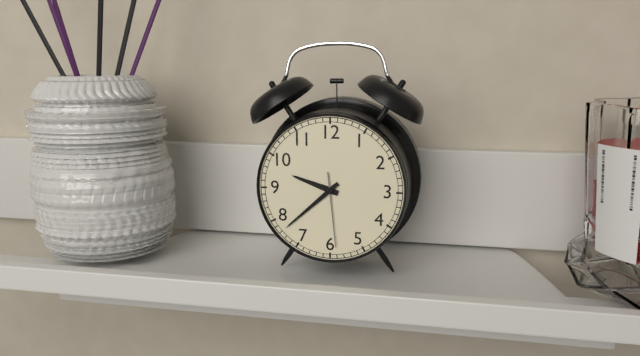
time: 9:38:29
